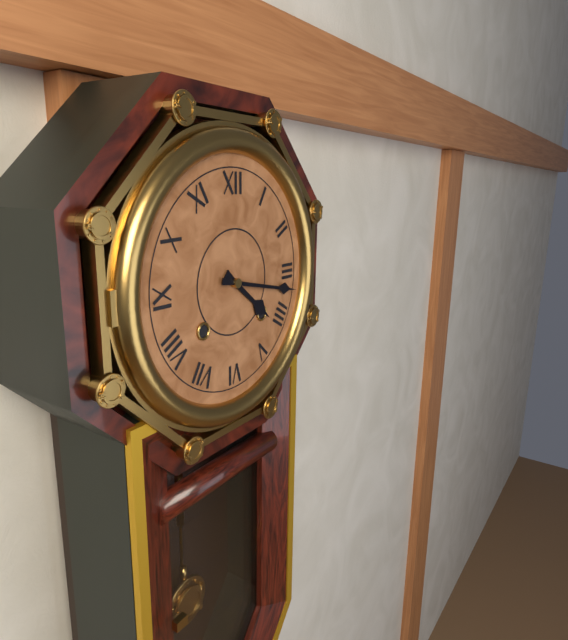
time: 4:17
